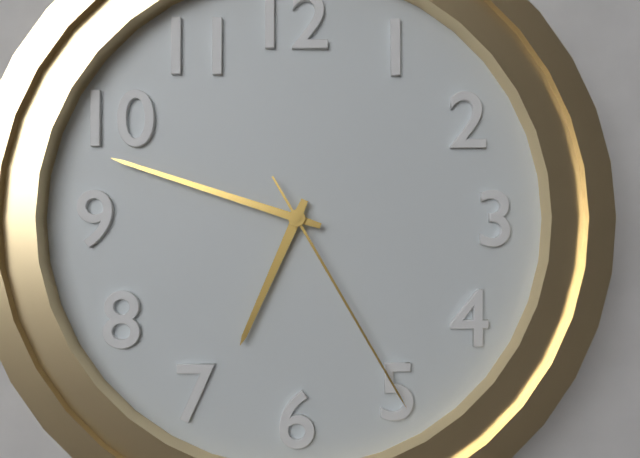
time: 6:48:25
